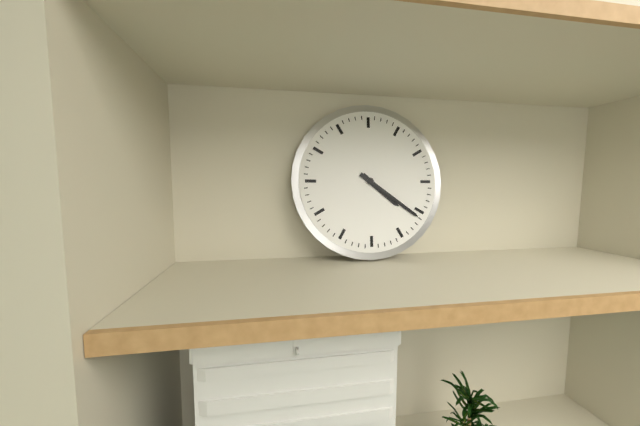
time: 4:21
